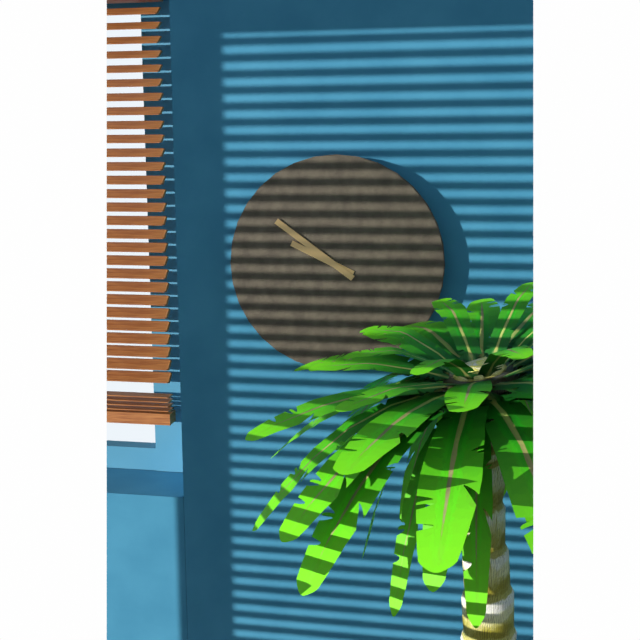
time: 9:51
